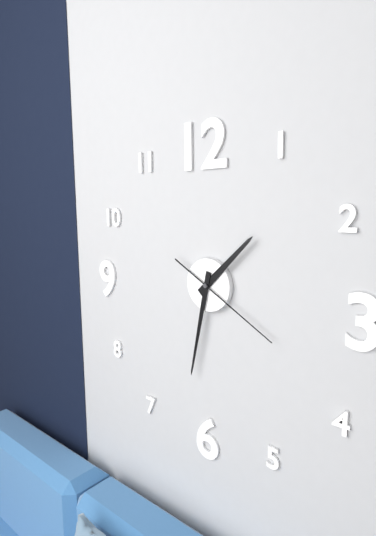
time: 1:32:20
